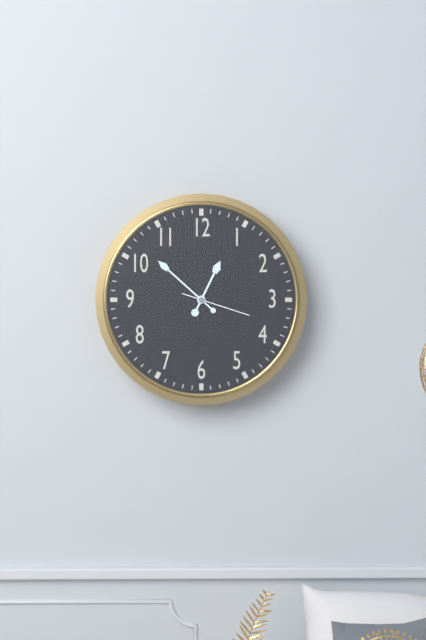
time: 12:52:18
